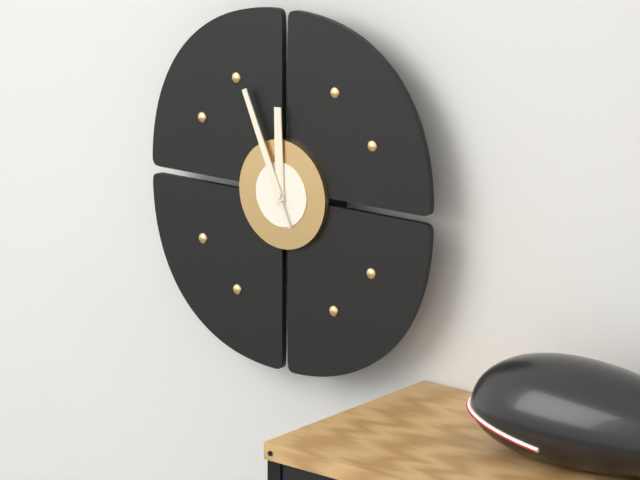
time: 11:56
